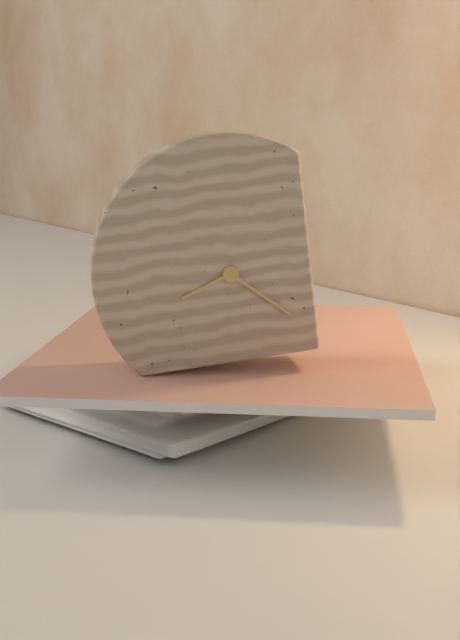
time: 8:22
